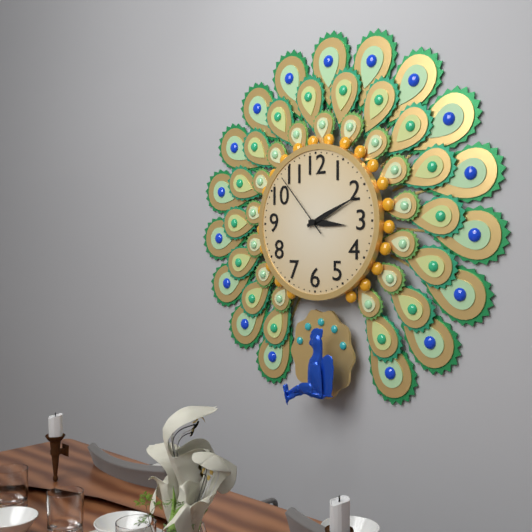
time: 3:11:53
